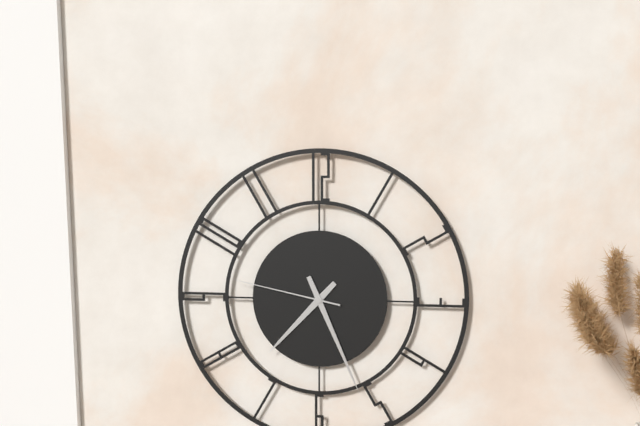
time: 7:26:47
